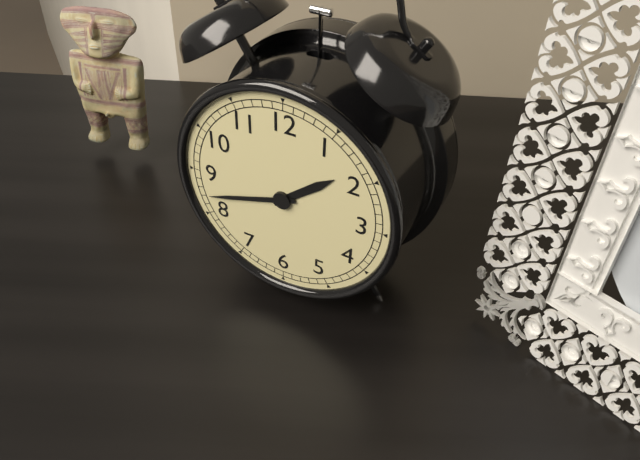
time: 1:42
